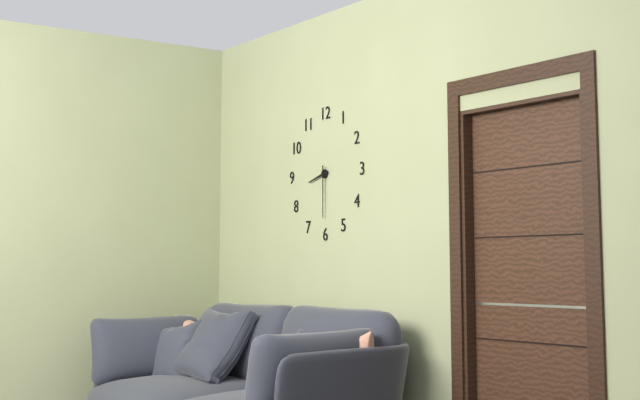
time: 8:30
